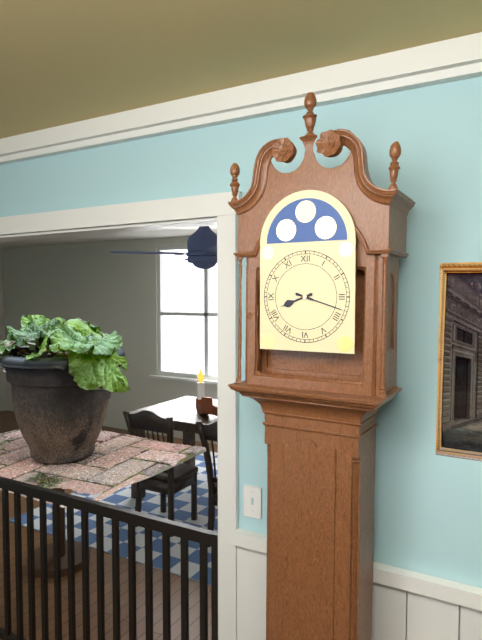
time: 8:18
